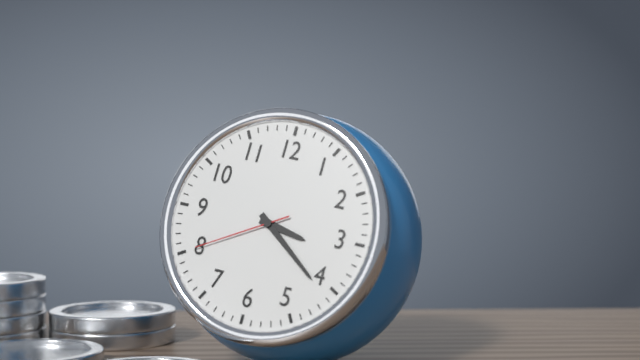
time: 3:21:40
